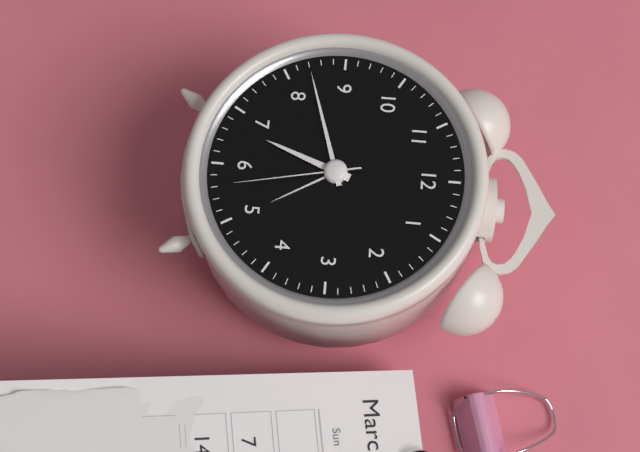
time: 6:42:28
